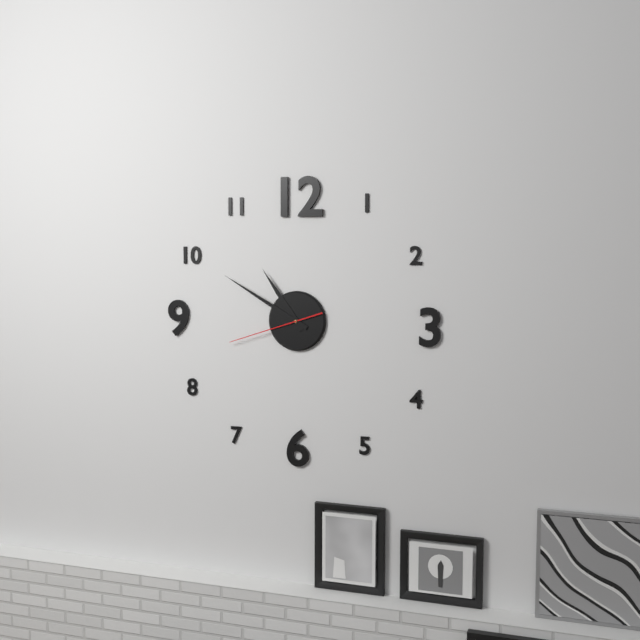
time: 10:50:42
